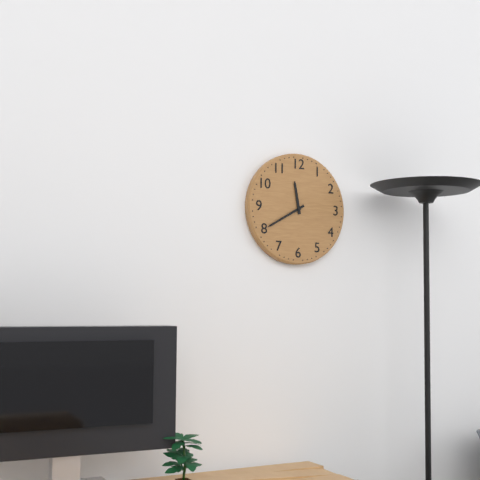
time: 11:40
